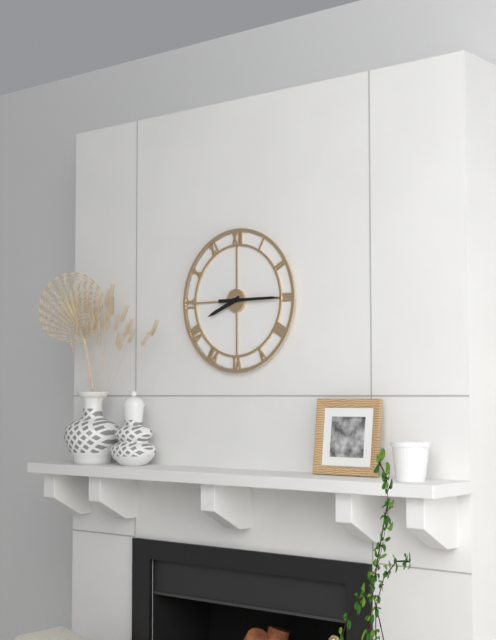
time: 8:15
